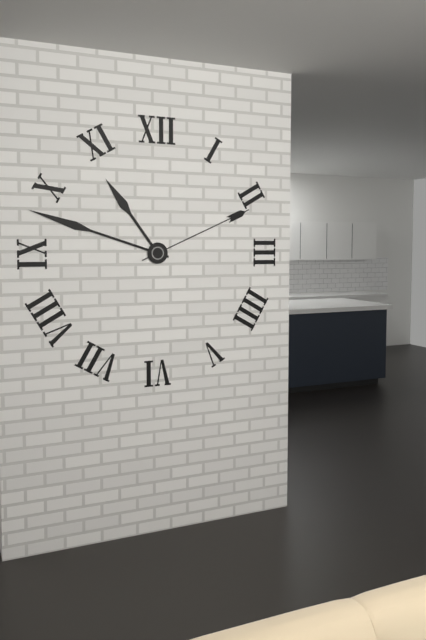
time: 10:48:11
